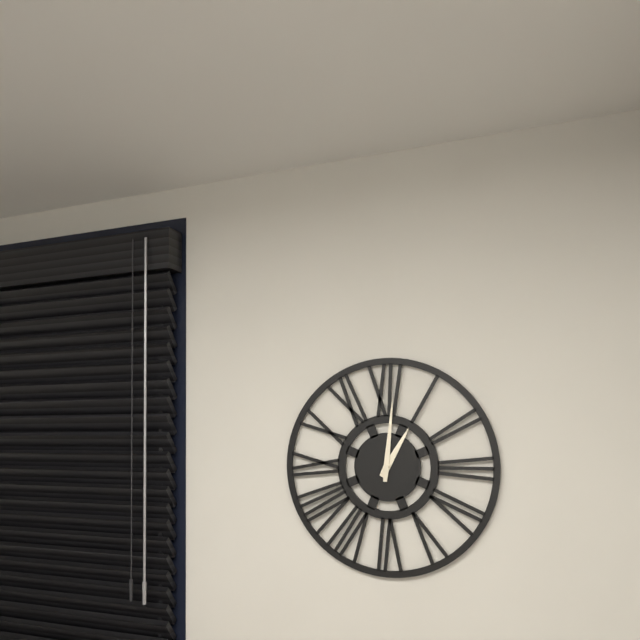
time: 1:01
